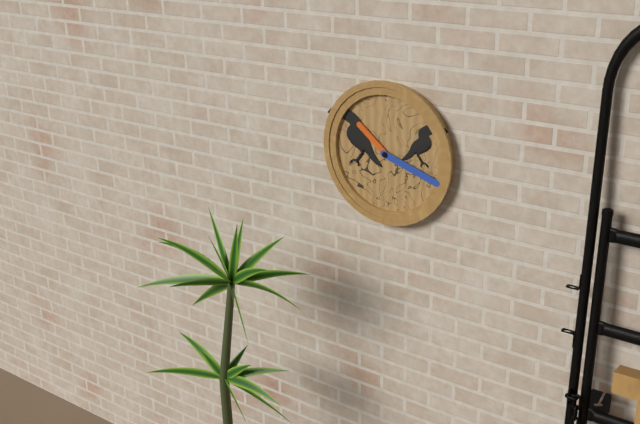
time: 10:18
